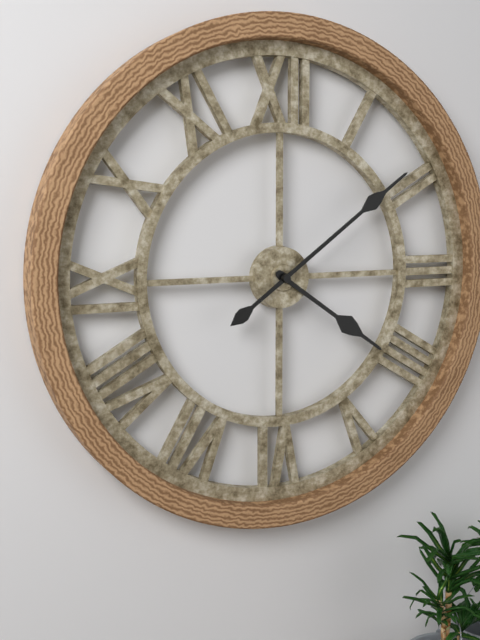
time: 4:09
